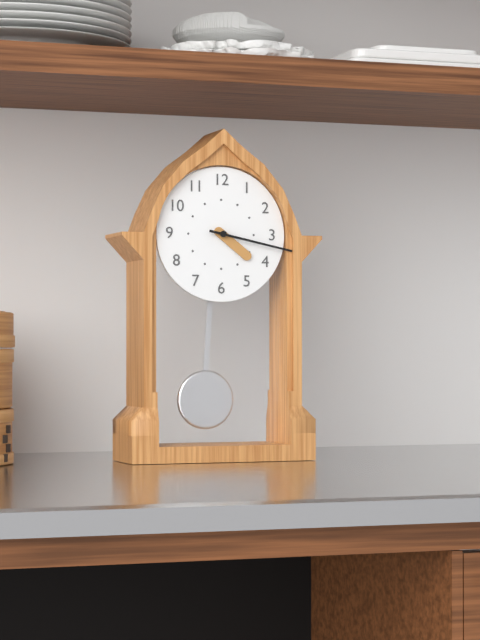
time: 4:17
